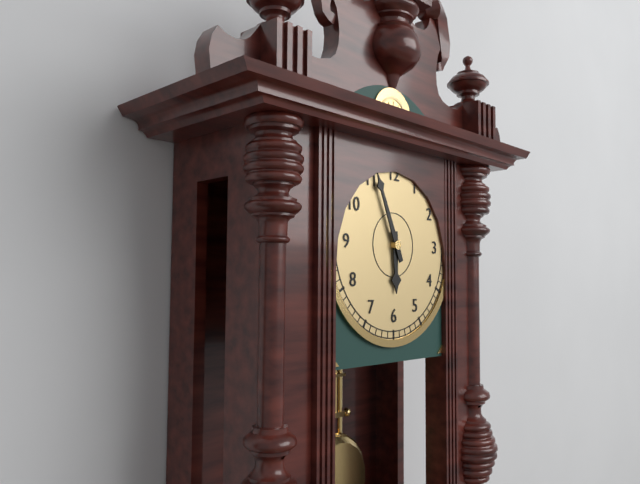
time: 5:56
